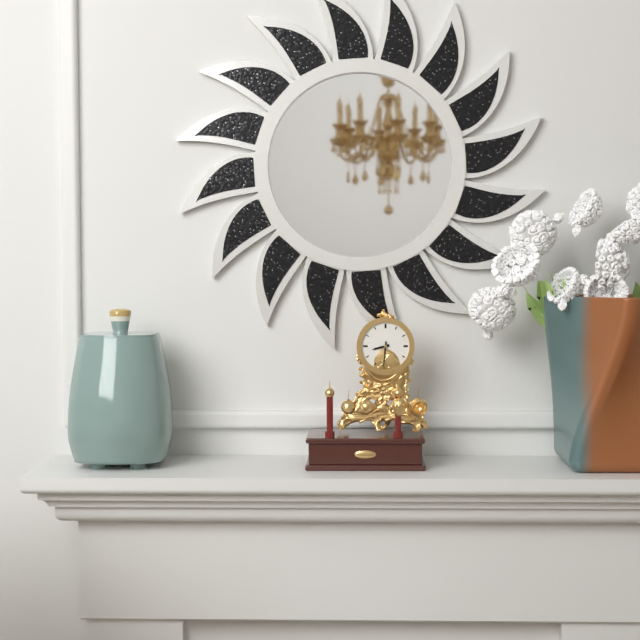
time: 8:31
